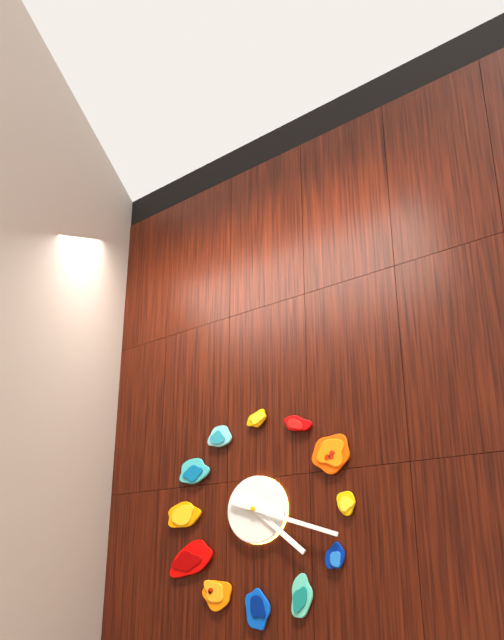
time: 4:18
